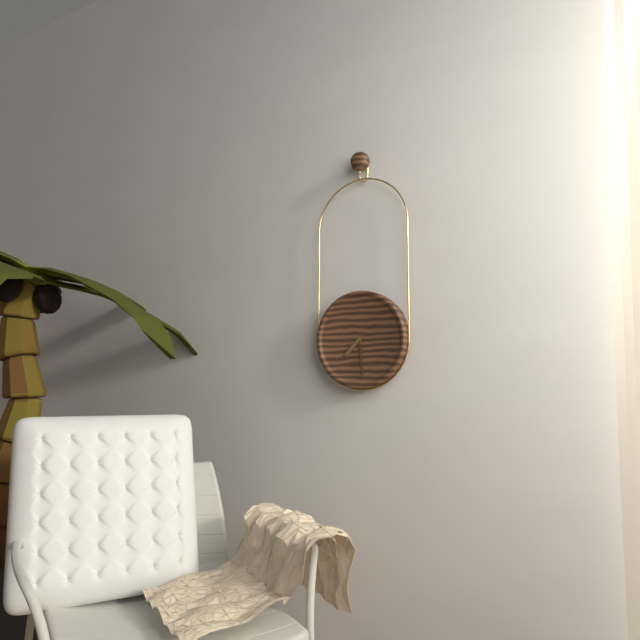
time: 7:29
